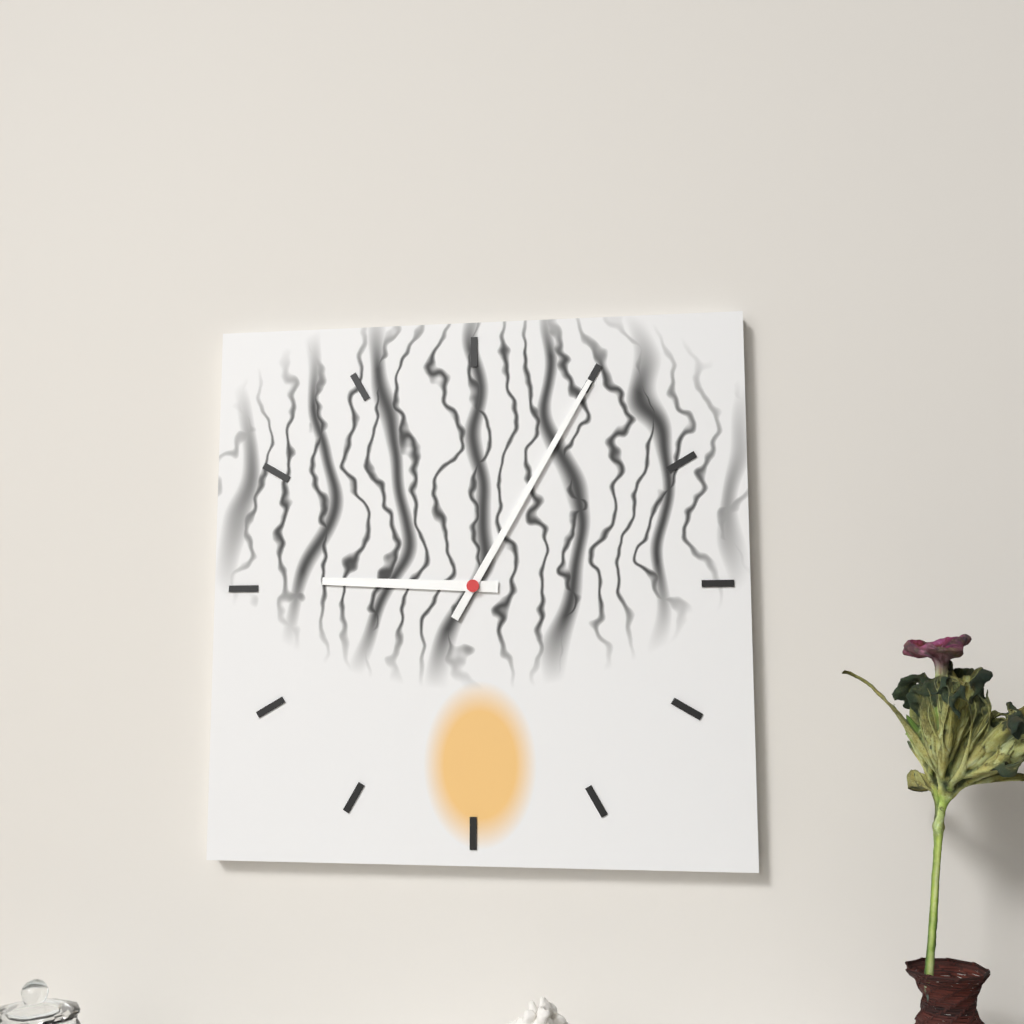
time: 9:05
